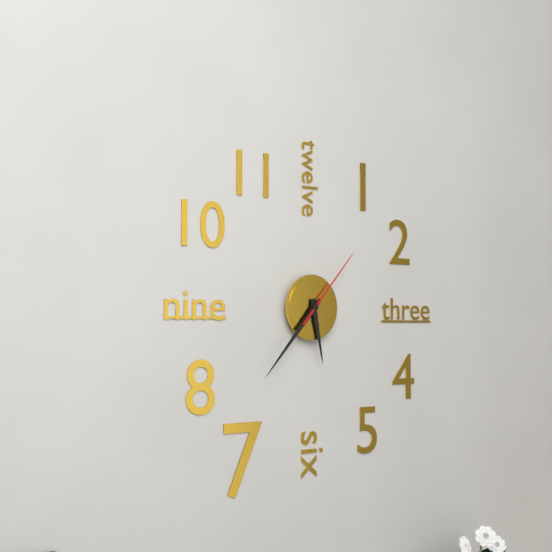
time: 5:37:07
